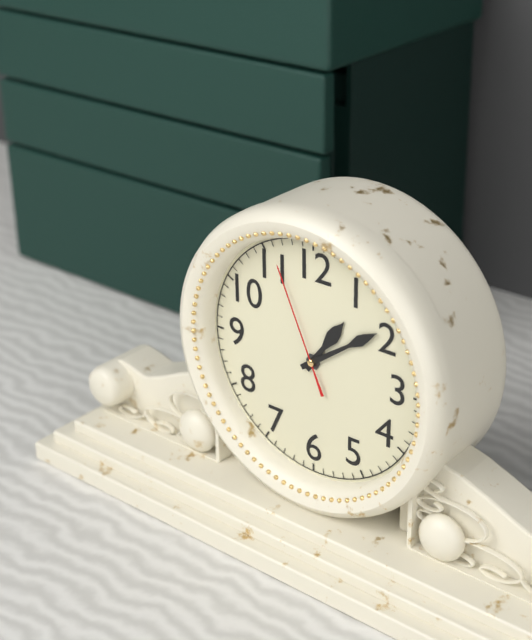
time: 1:09:56
